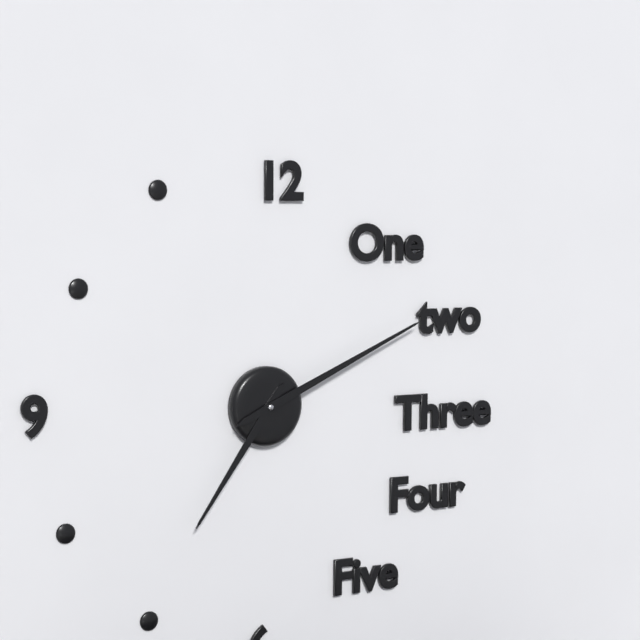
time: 7:11
